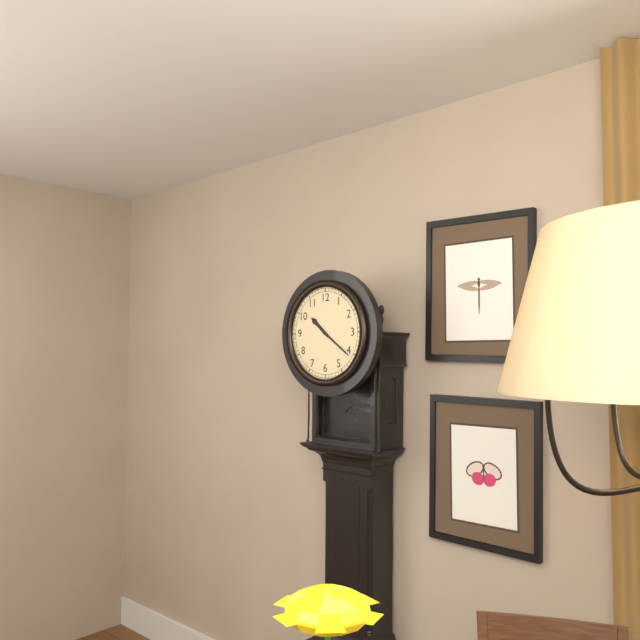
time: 10:21
